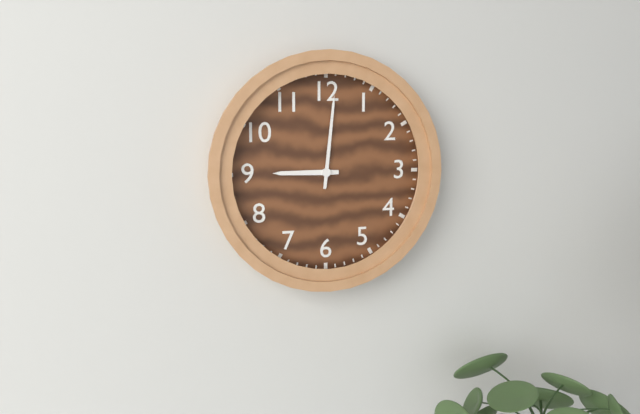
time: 9:01
